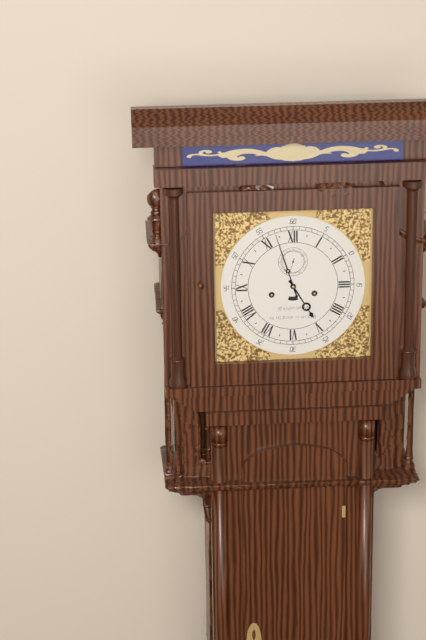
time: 4:57
